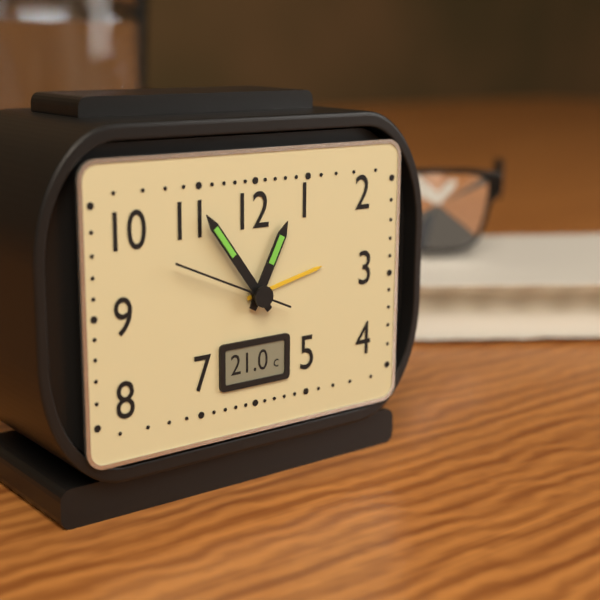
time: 12:54:49
